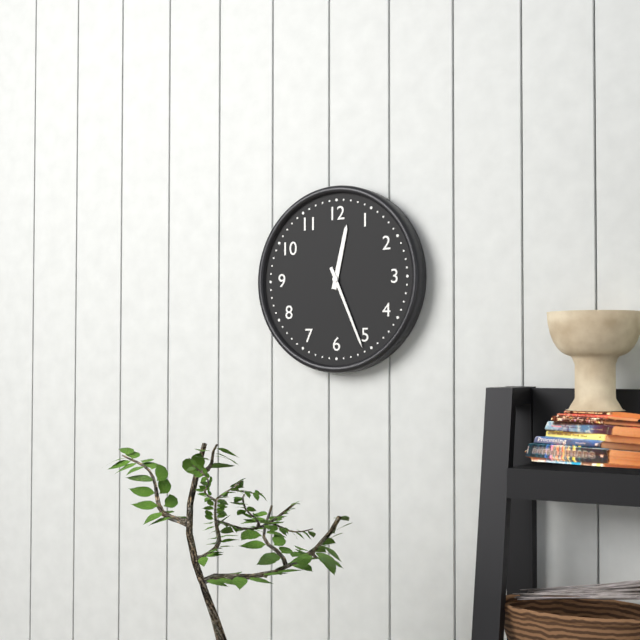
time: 12:26
